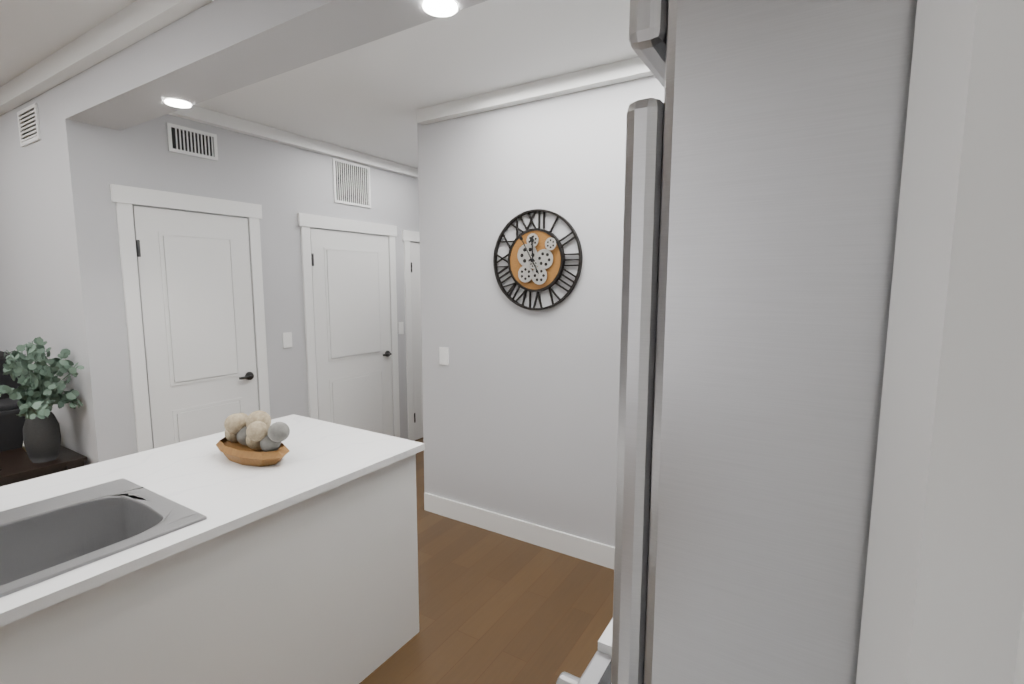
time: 11:55
